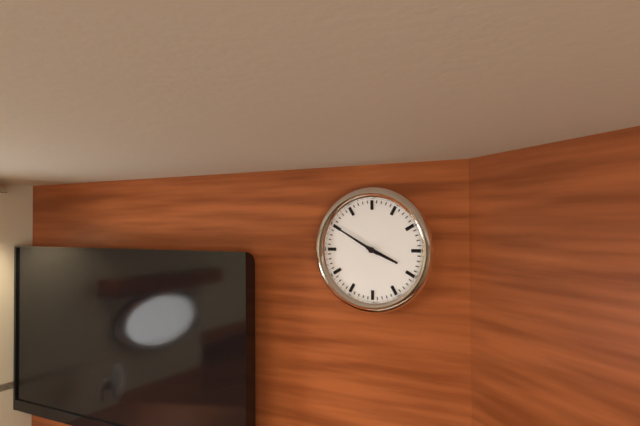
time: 3:50
